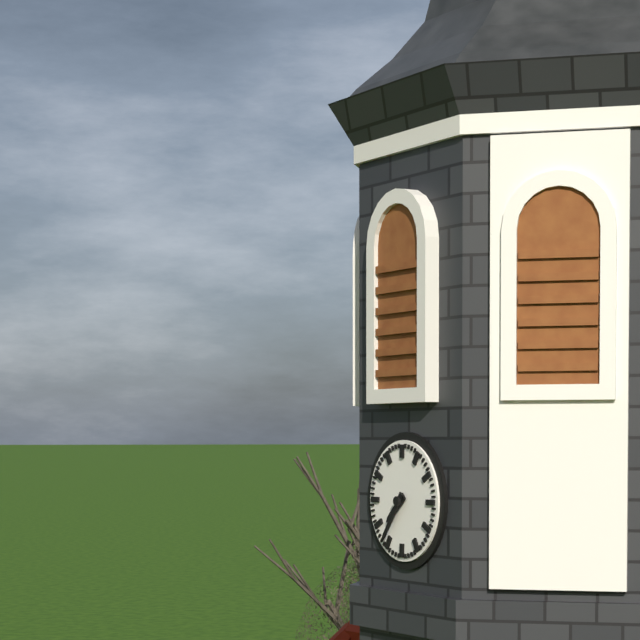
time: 7:36
